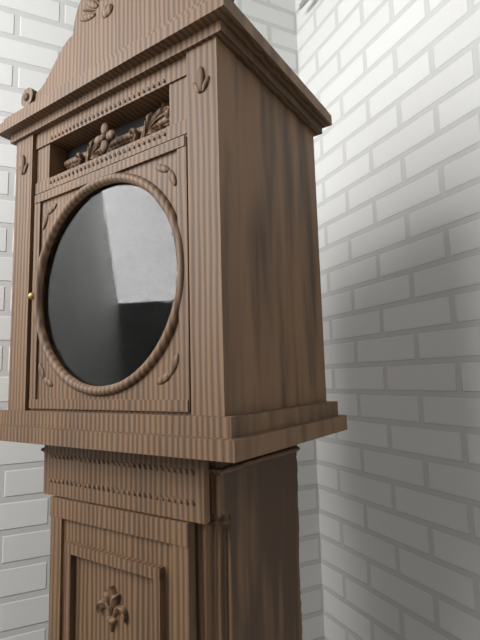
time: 5:24
